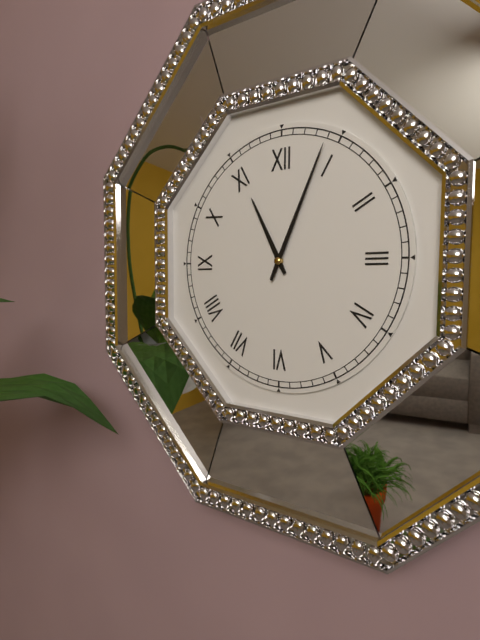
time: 11:04
